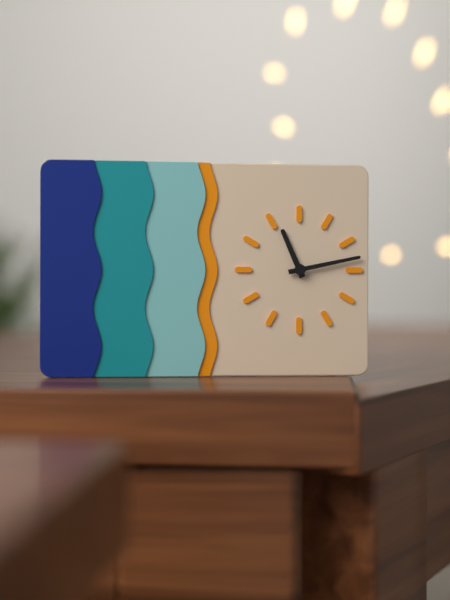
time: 11:13
